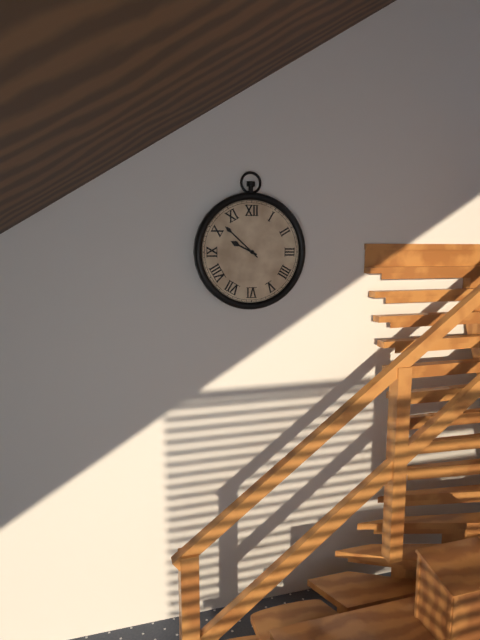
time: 9:52
